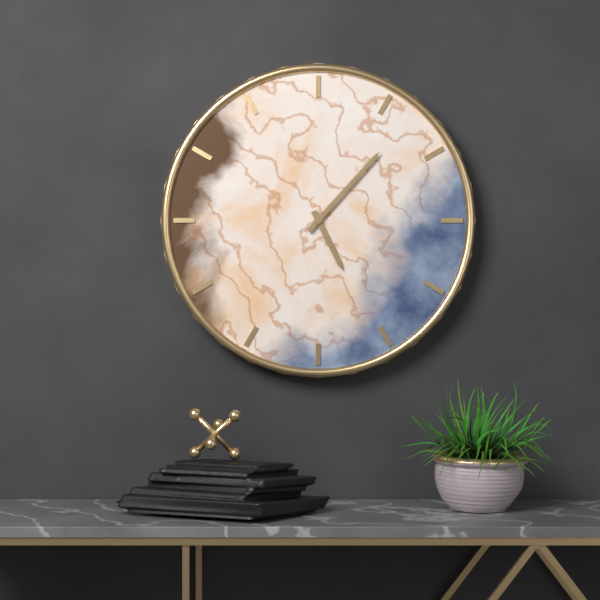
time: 5:07
